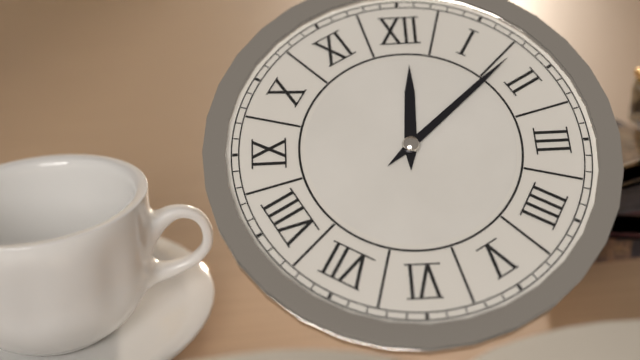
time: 12:08
